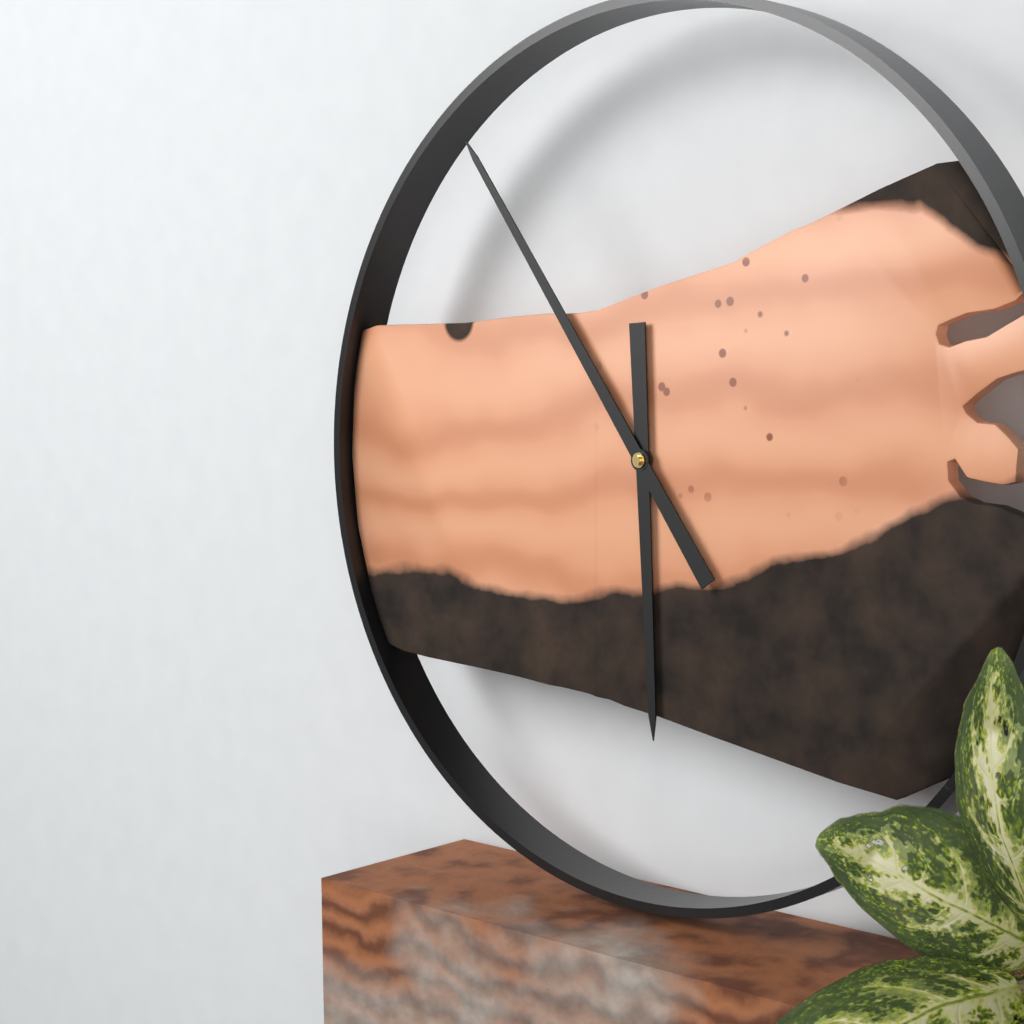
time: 5:54
